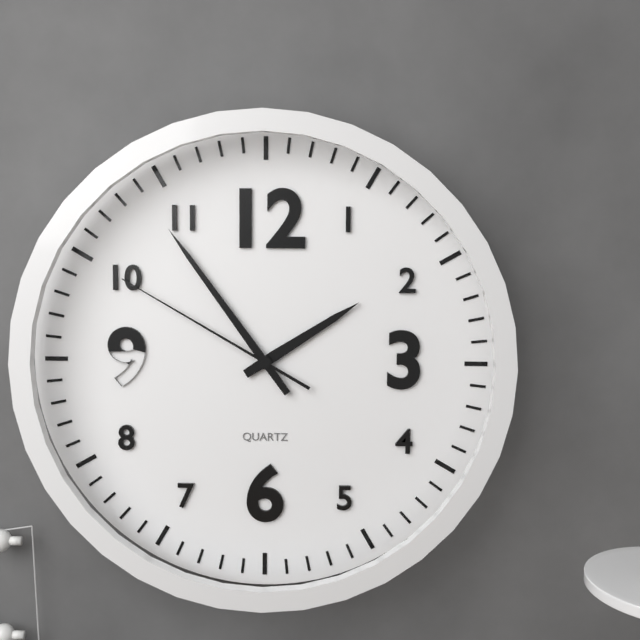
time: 1:54:50
